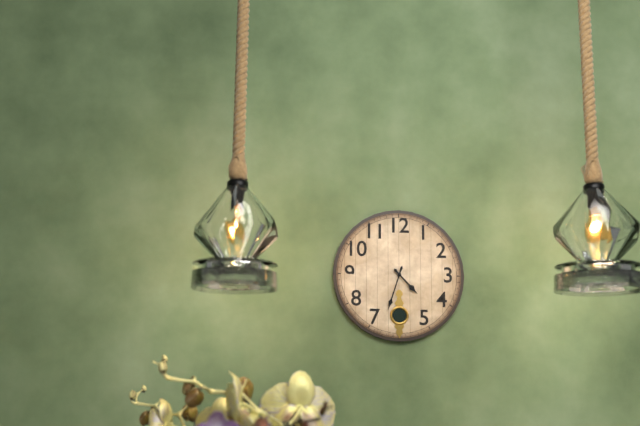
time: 4:33
